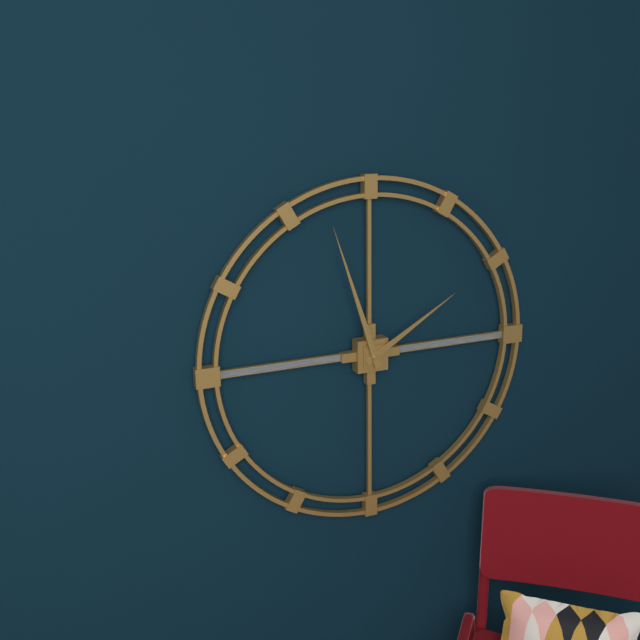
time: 1:57
